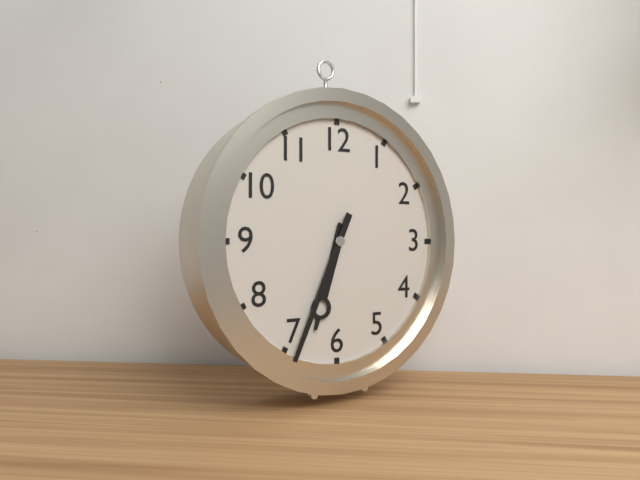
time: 6:34
